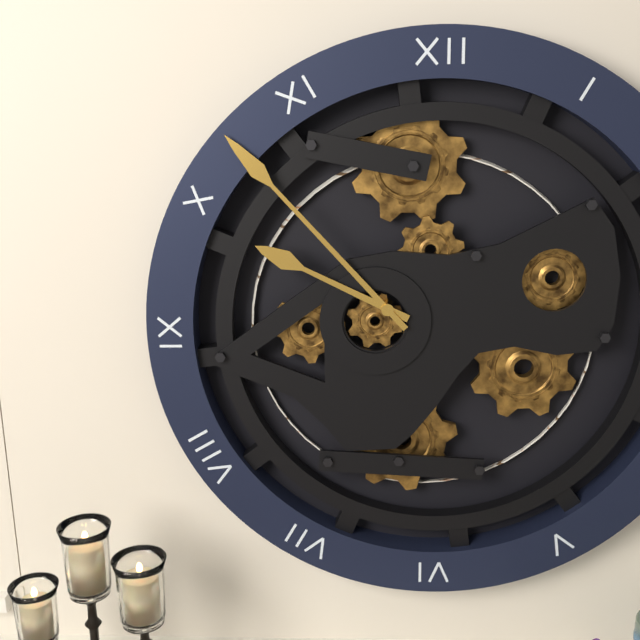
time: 9:53
